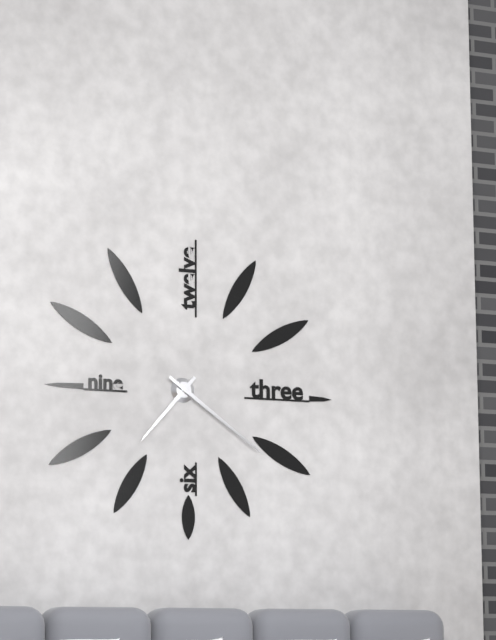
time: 7:21
